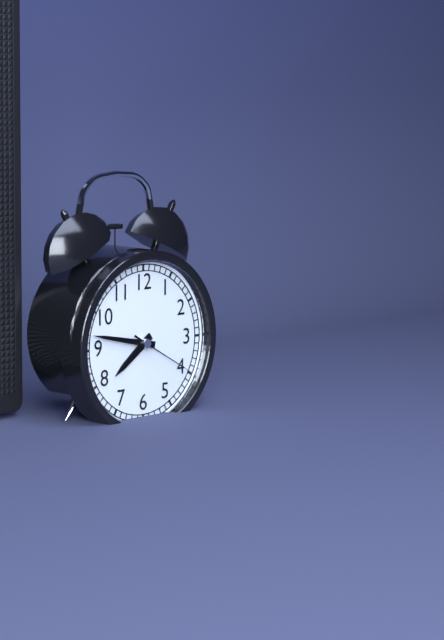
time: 7:47:20
